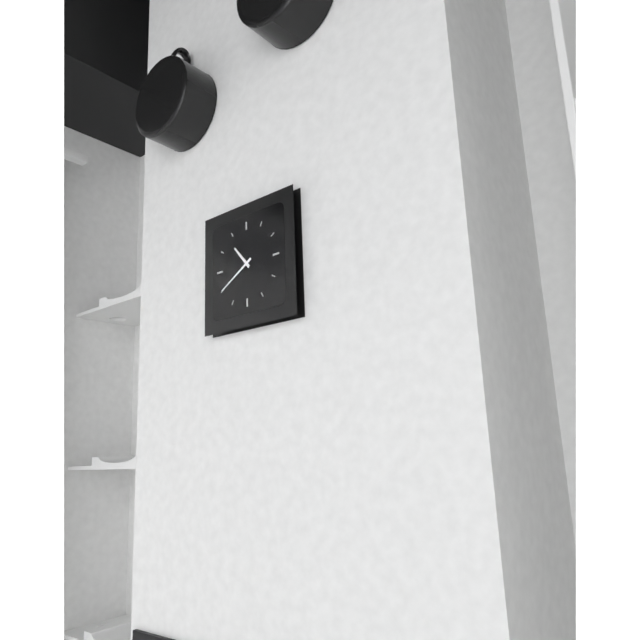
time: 10:40
